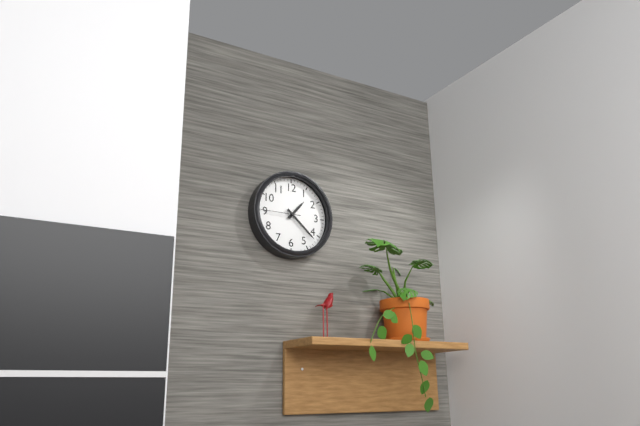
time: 1:22
